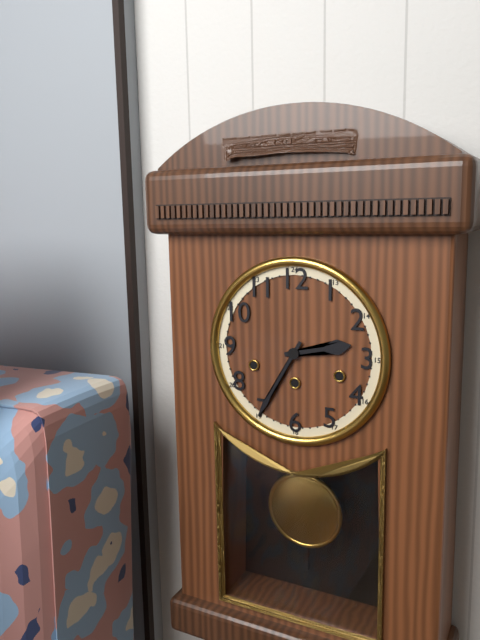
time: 2:35
